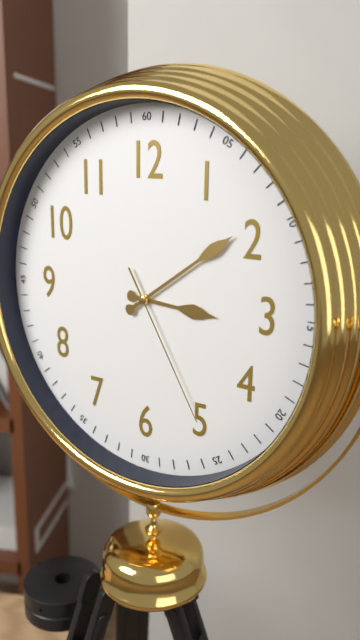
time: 3:09:25
